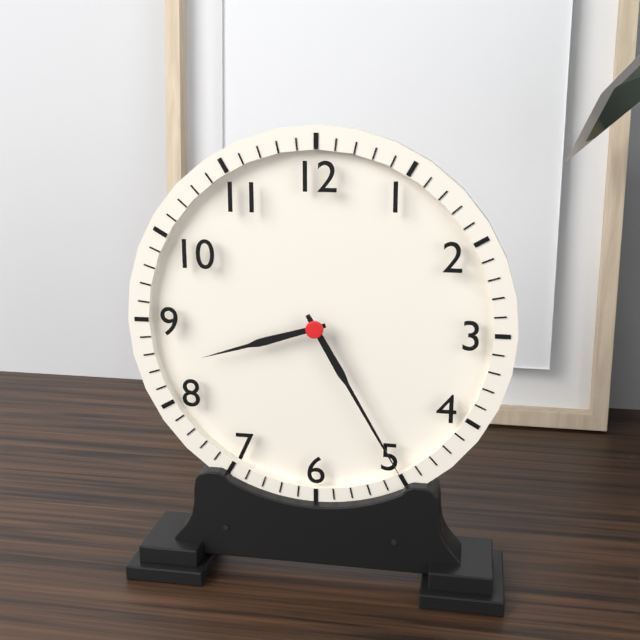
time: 8:25
